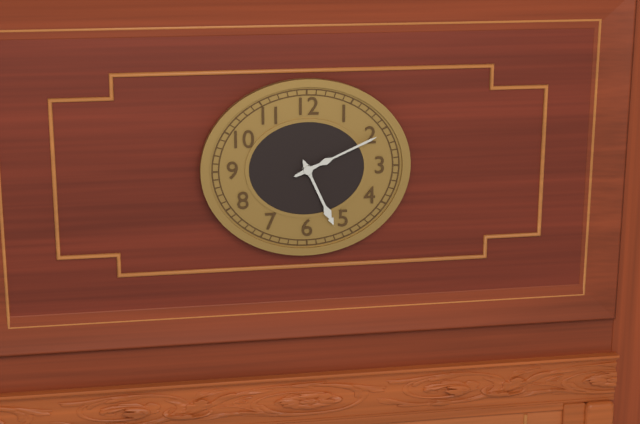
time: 5:11
